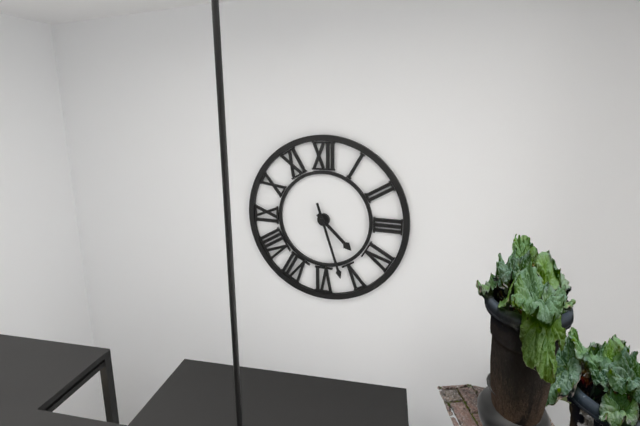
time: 4:27
